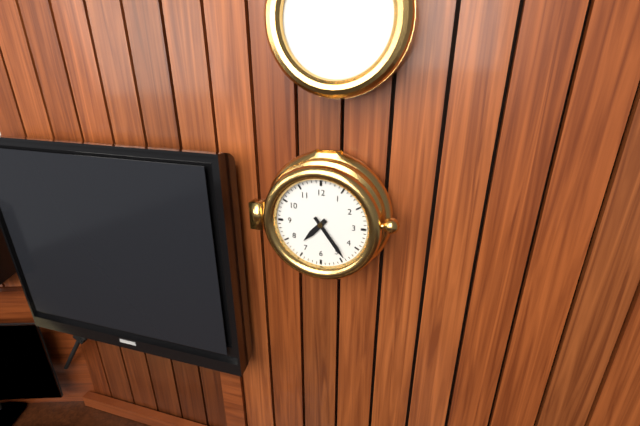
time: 7:24
